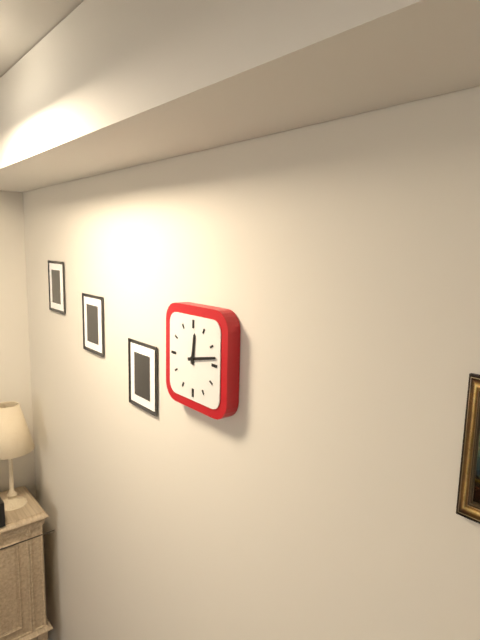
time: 12:13
